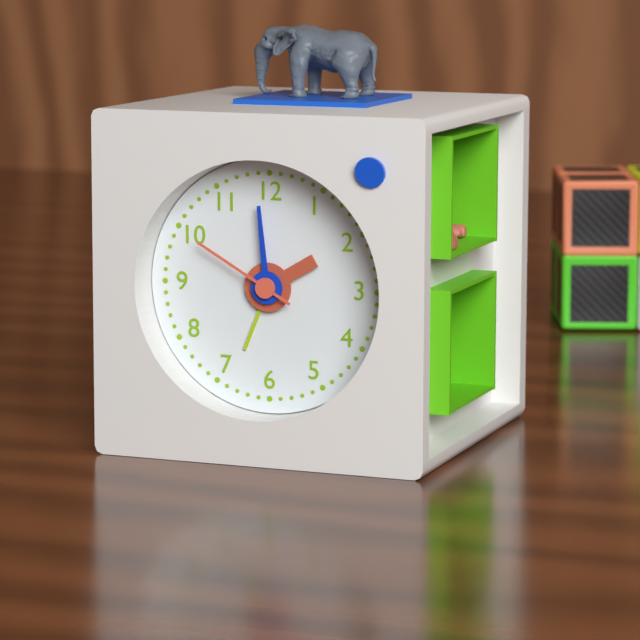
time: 1:59:50
